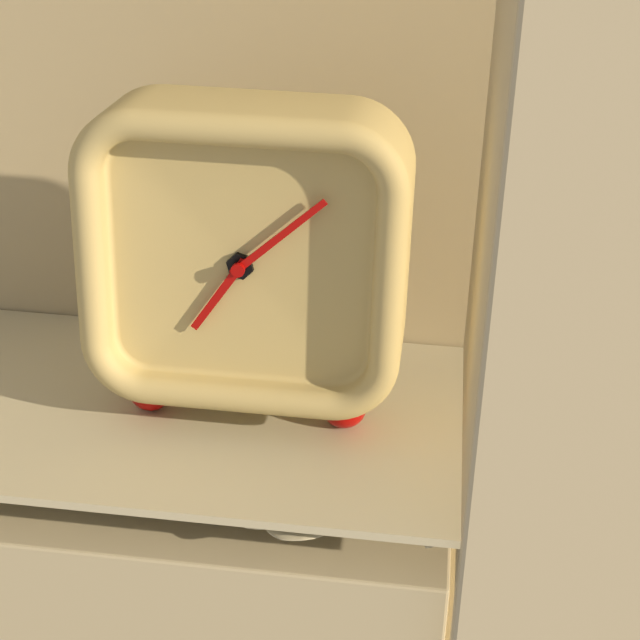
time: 7:08
